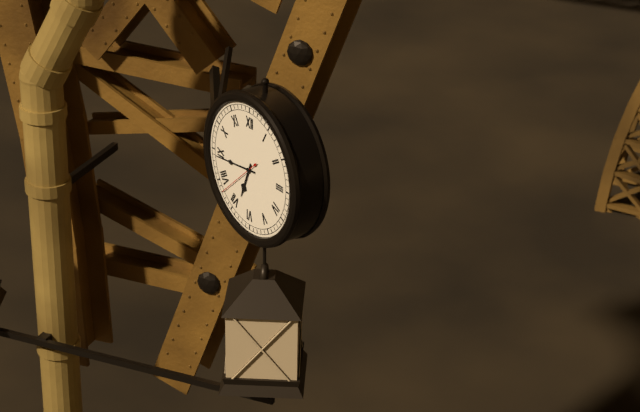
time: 6:44
